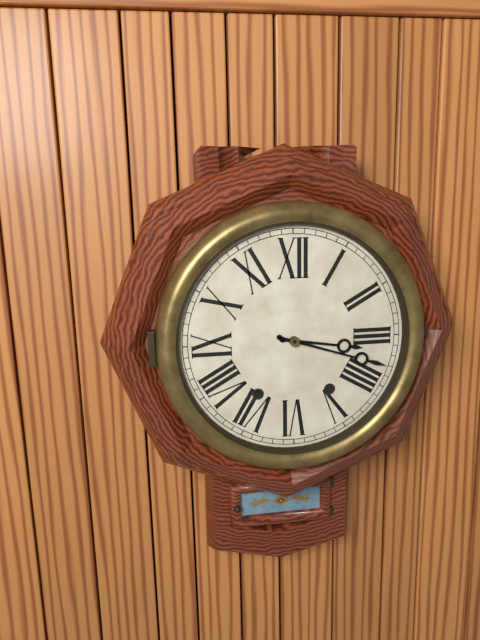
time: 3:18
